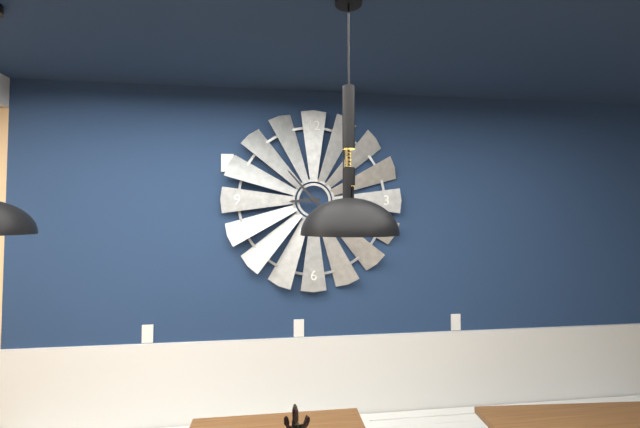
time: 8:53
